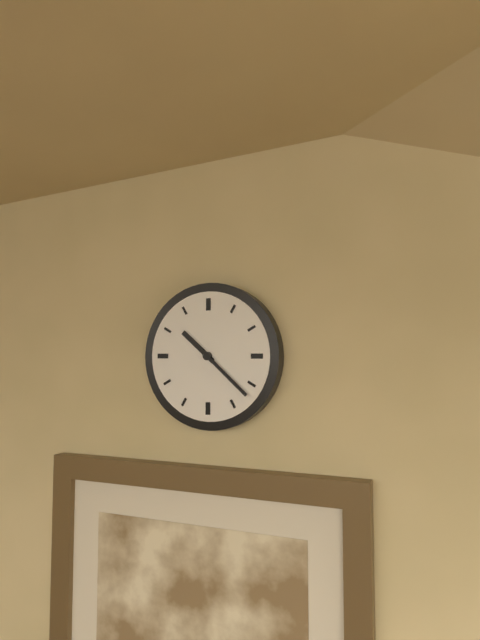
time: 10:22
